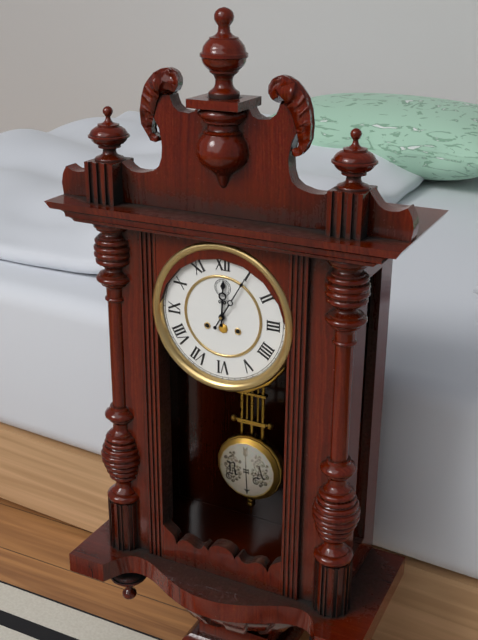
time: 12:05
